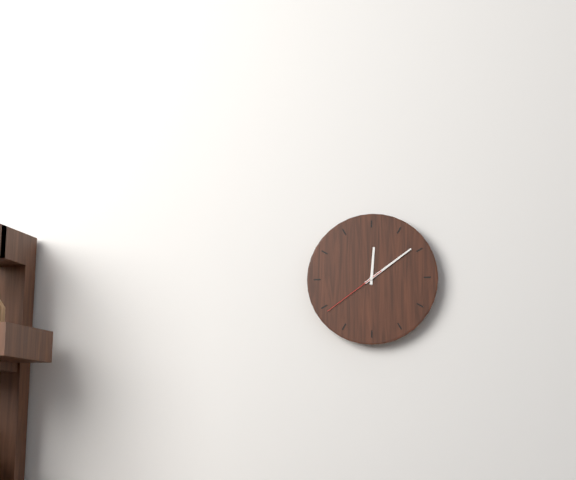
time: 12:09:39
